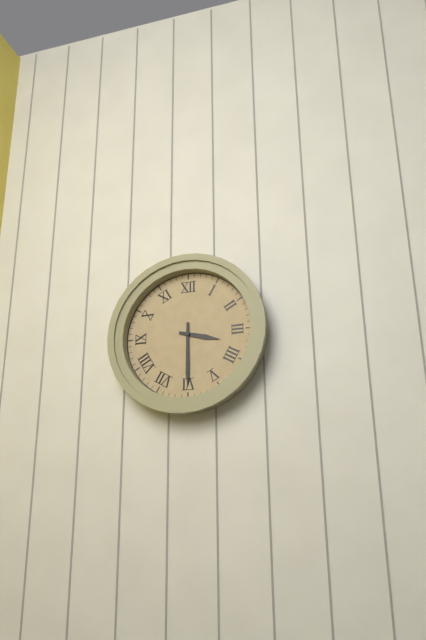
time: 3:30
